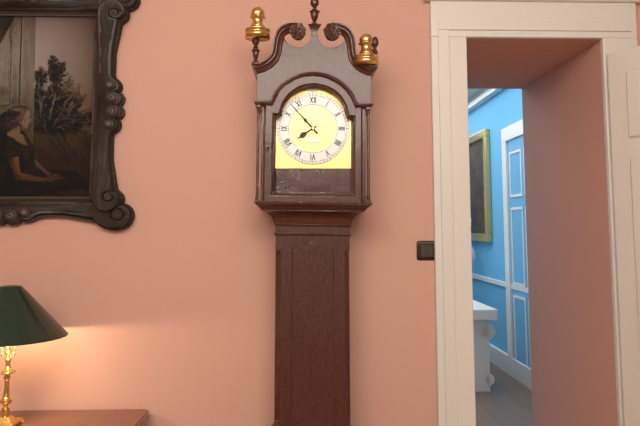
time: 7:53
